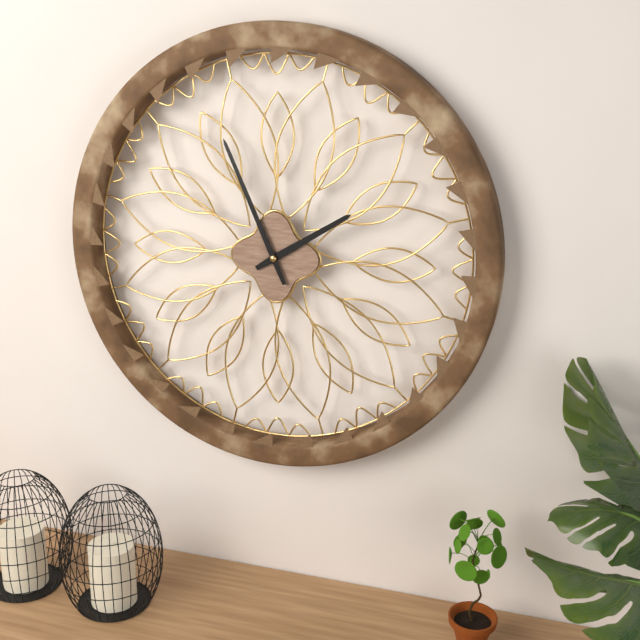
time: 1:56
